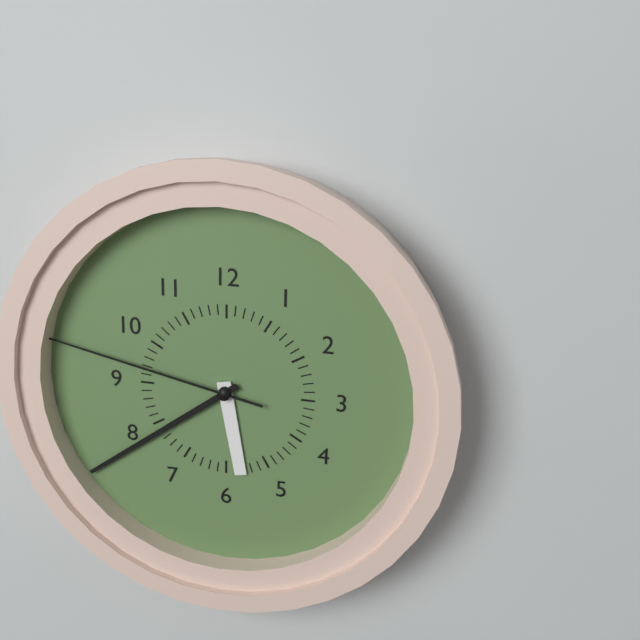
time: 5:39:47
